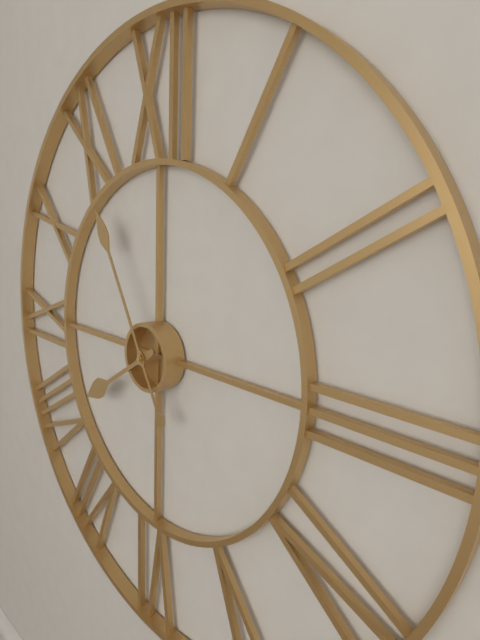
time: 7:55
